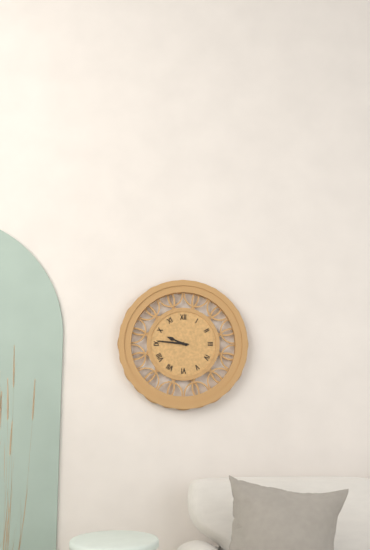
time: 9:46
